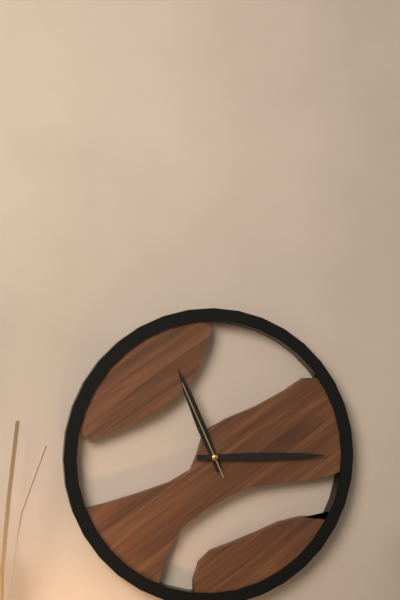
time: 11:15:56
